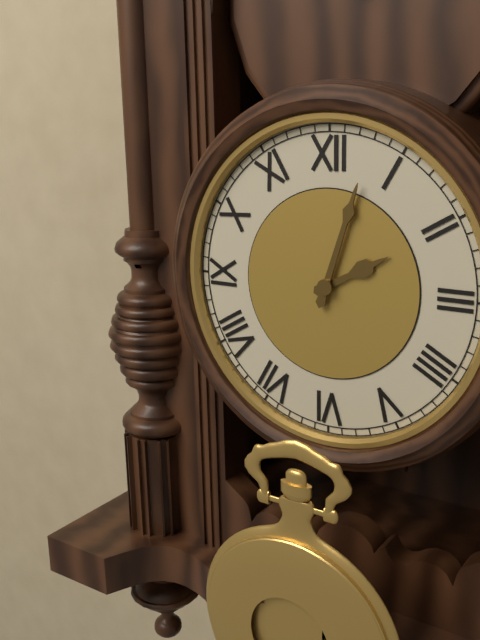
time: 2:03
